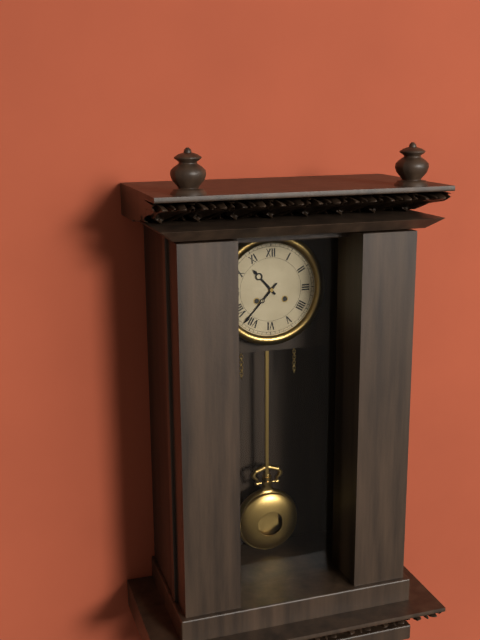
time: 10:37
